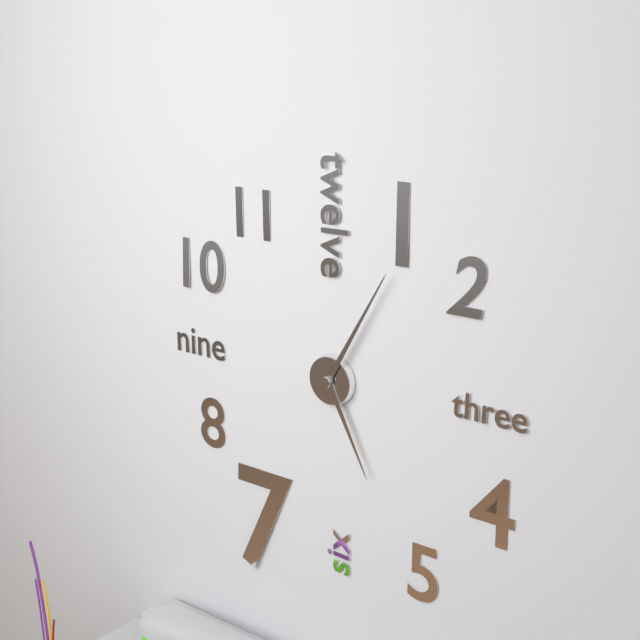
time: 5:05
